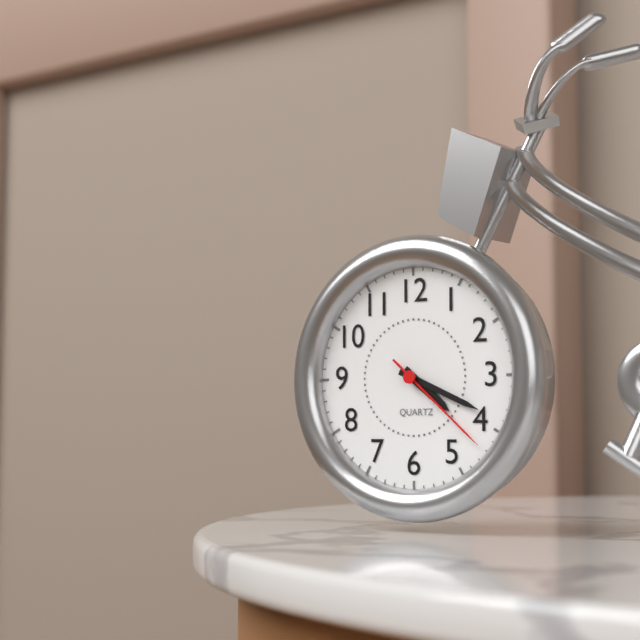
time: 4:19:22
